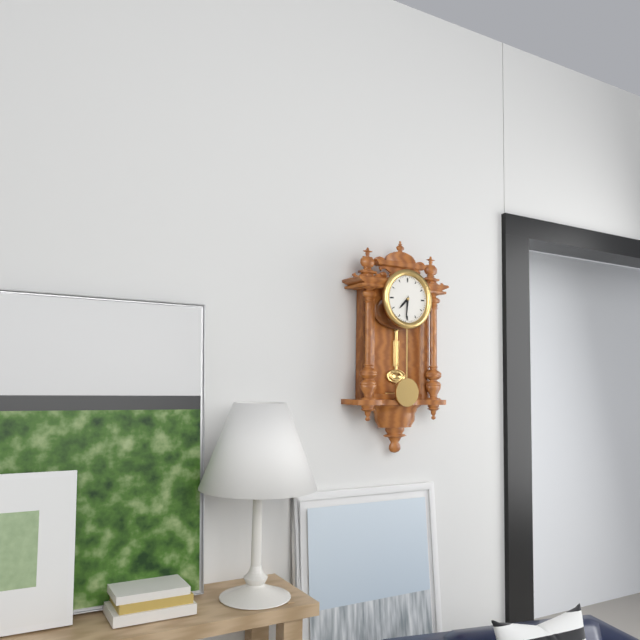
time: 7:31
